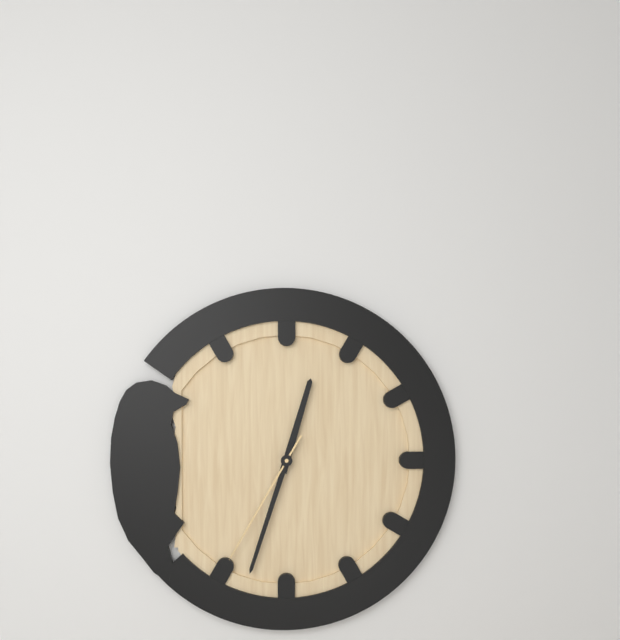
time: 12:33:35
